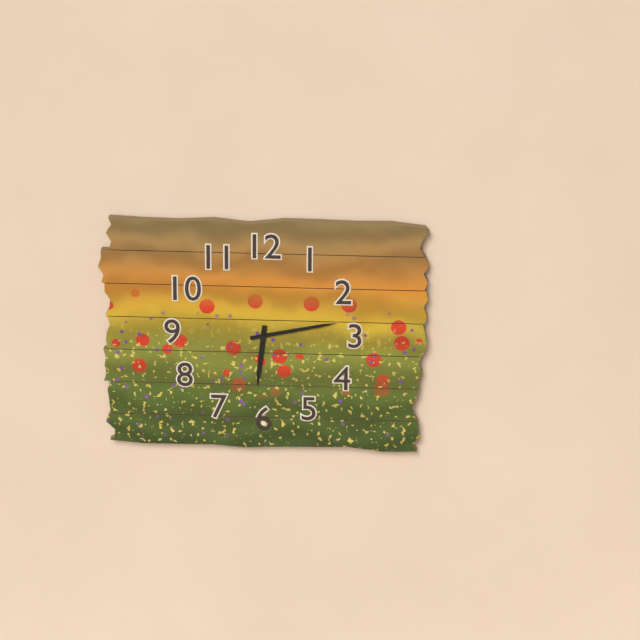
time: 6:13
